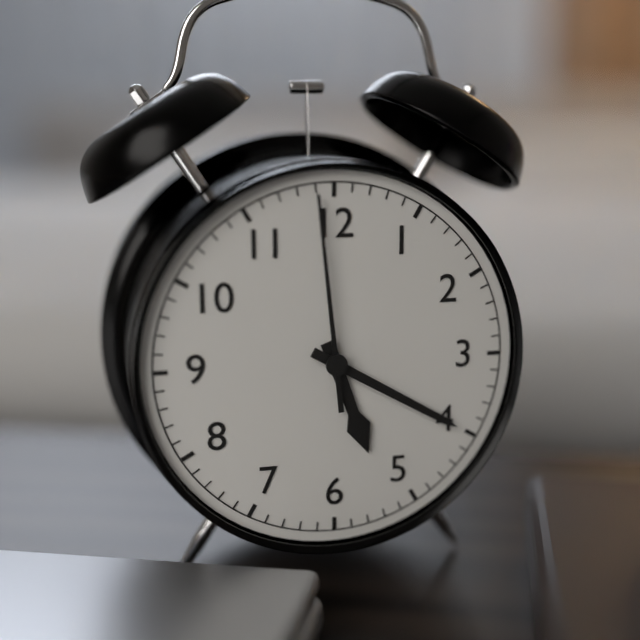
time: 5:20:59
